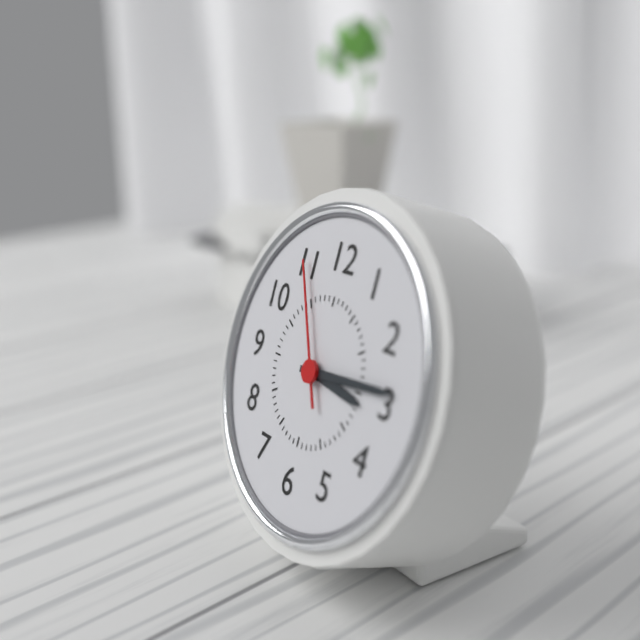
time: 3:14:55
